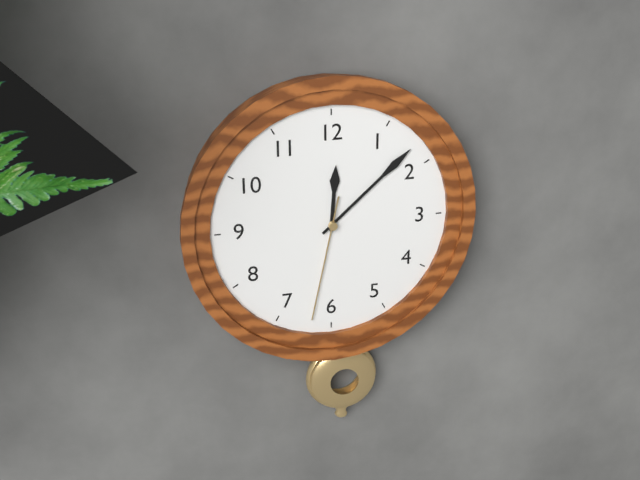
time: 12:08:32
